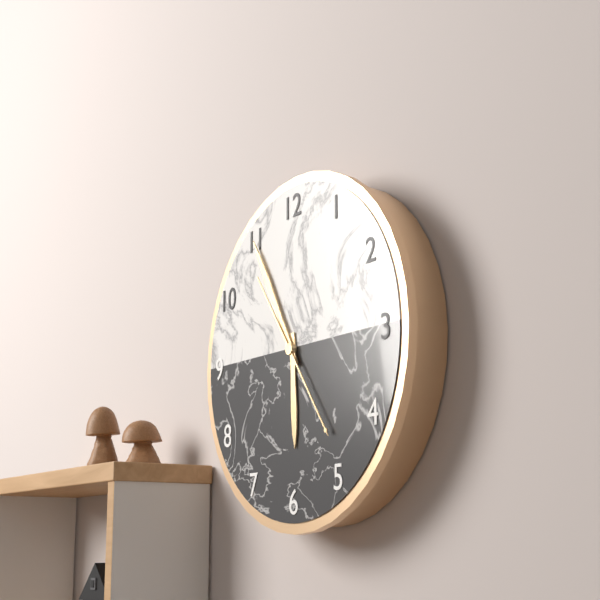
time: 5:55:24
